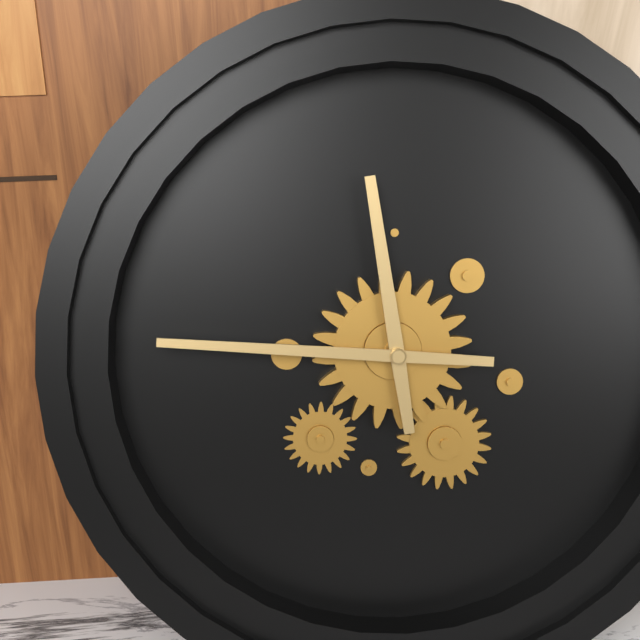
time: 11:46
